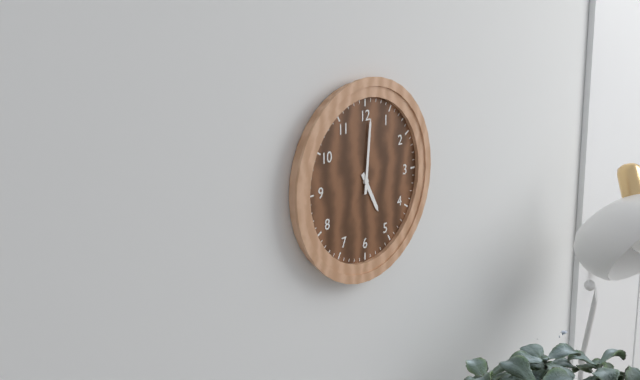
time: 5:01
